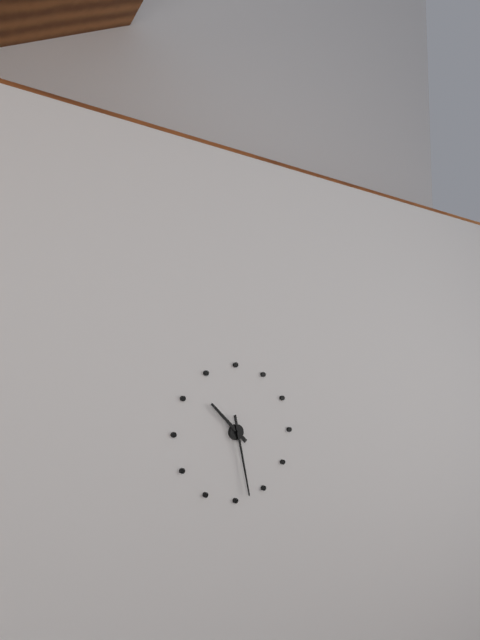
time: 10:28
